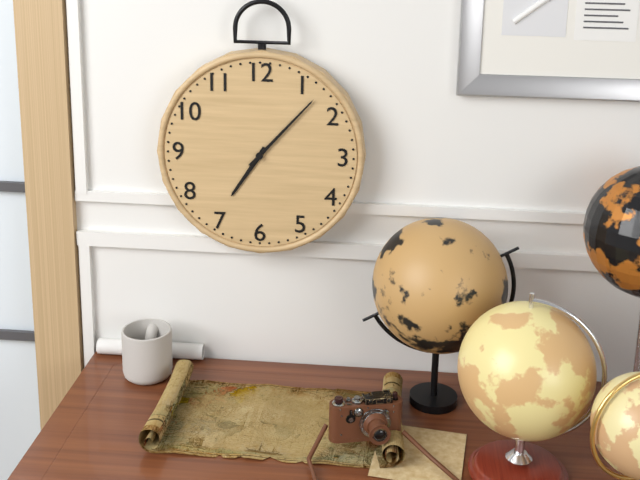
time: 7:07
